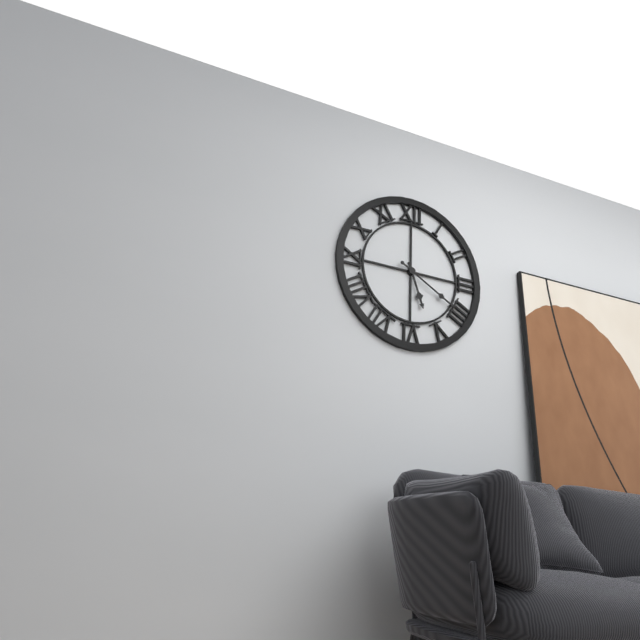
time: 5:20
